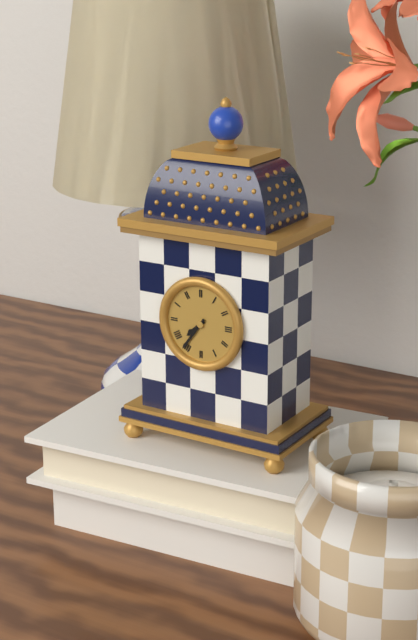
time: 7:36
